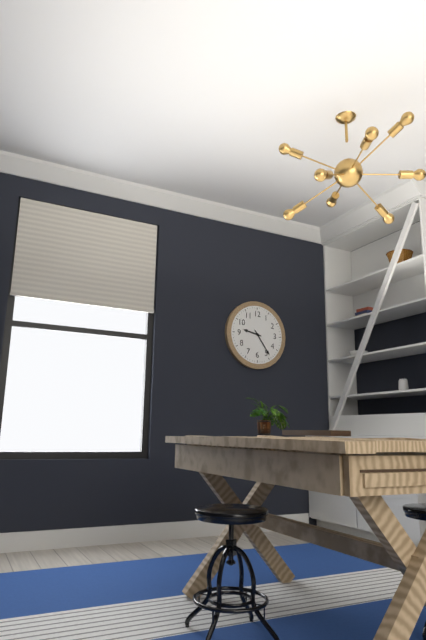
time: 9:24
